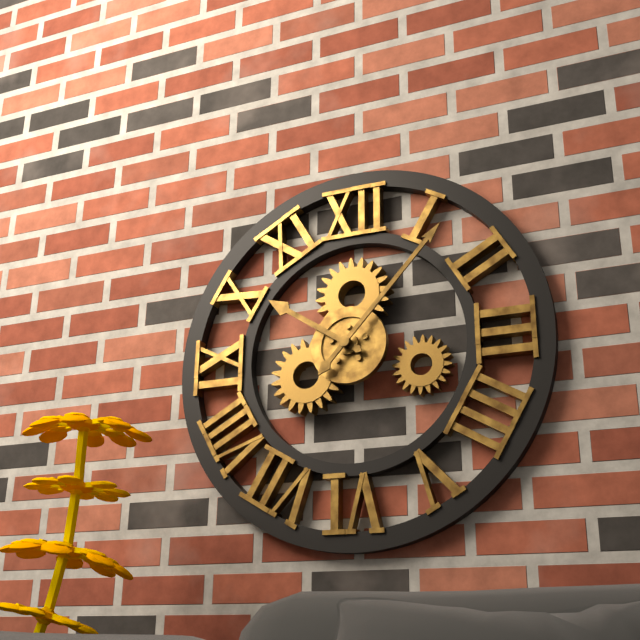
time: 10:07
